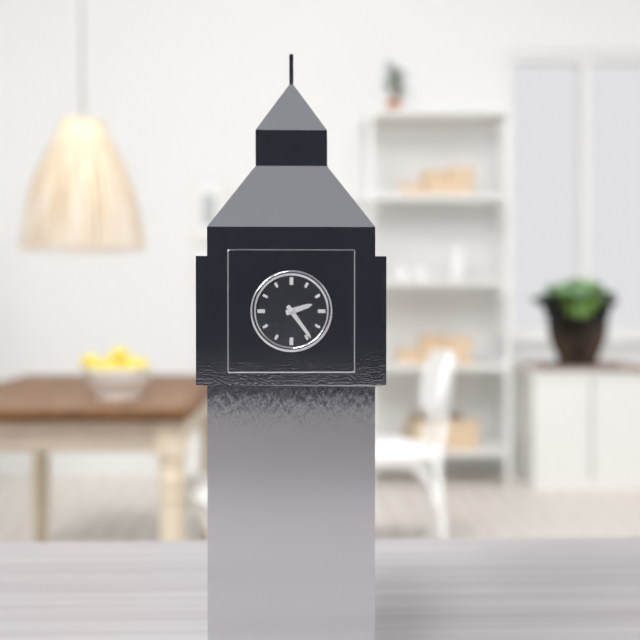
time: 2:24
